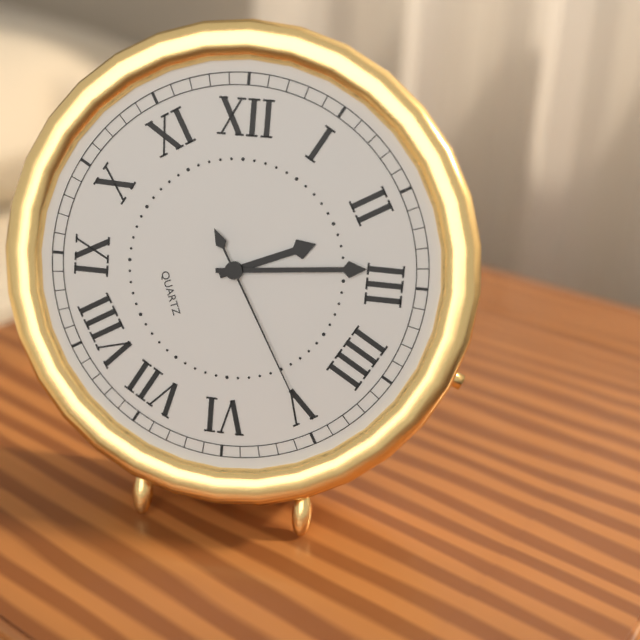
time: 2:14:25
